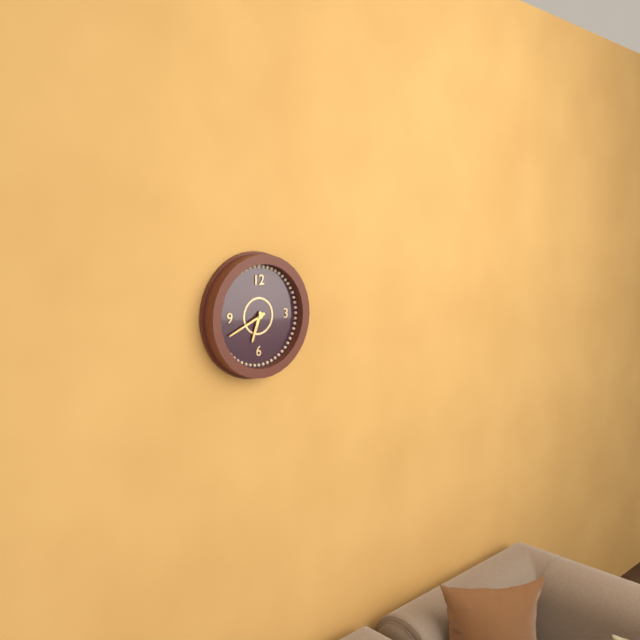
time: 6:41
